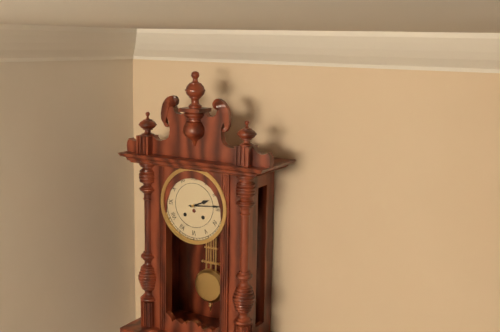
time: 2:14
